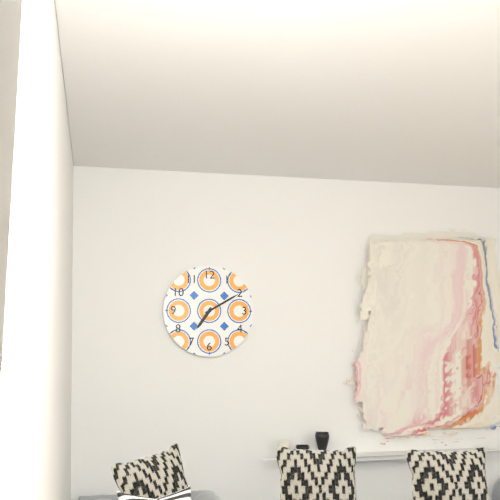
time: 7:10
